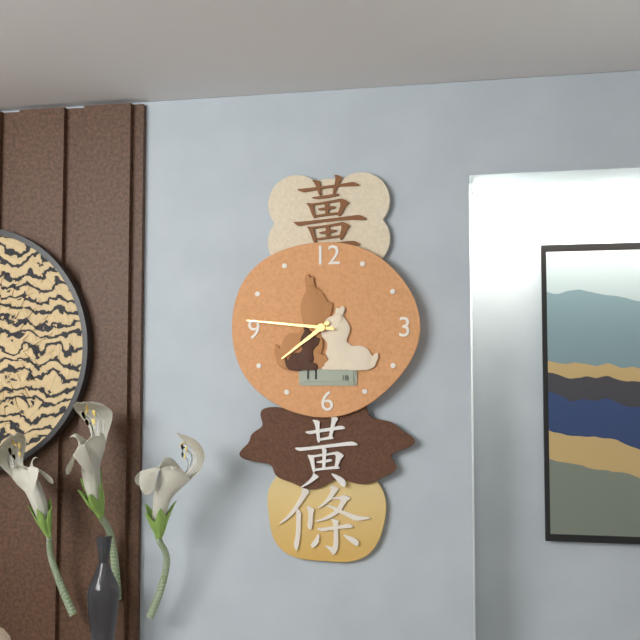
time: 7:46
